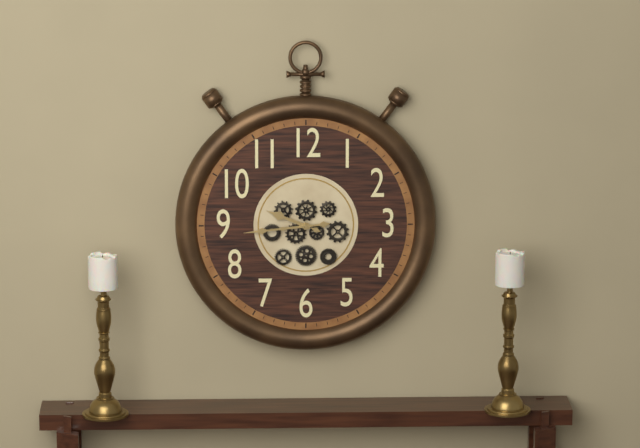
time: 9:44
